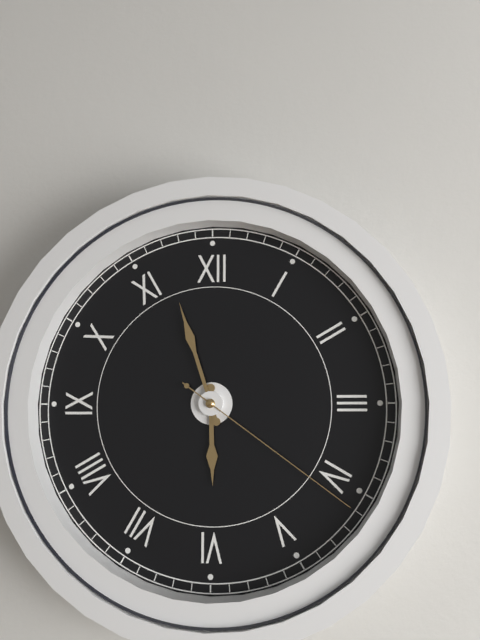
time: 5:57:21
